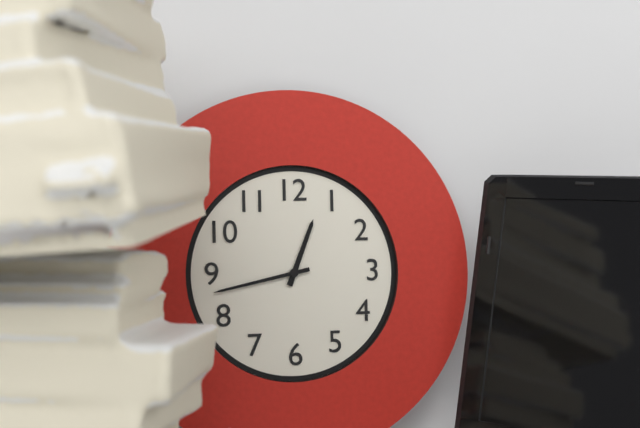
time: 12:43
